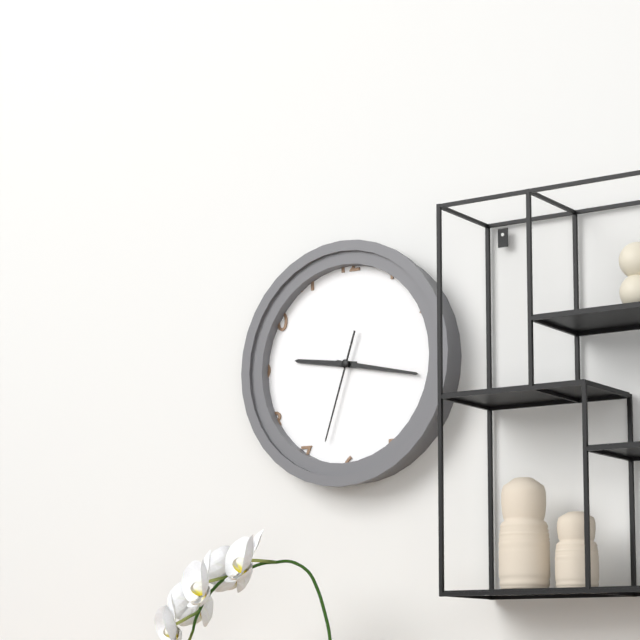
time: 9:17:33
